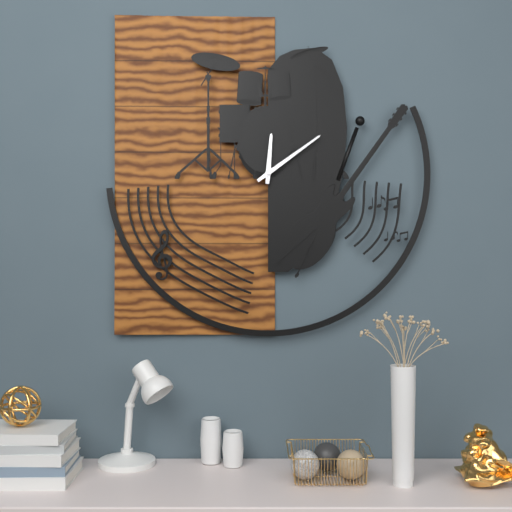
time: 12:09
